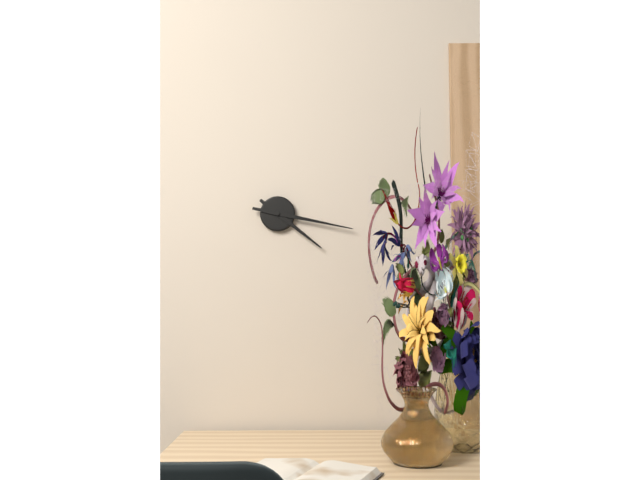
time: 4:17
